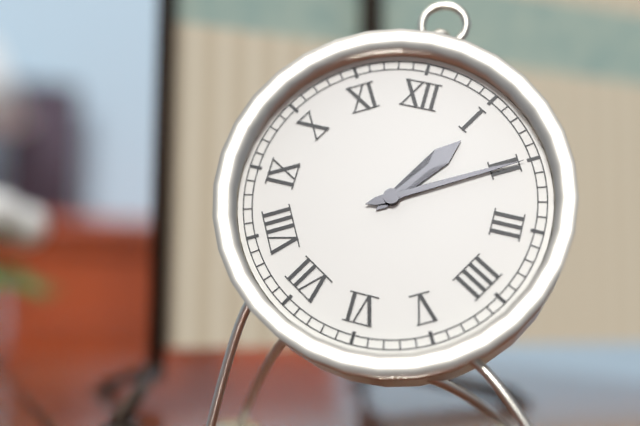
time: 1:10
